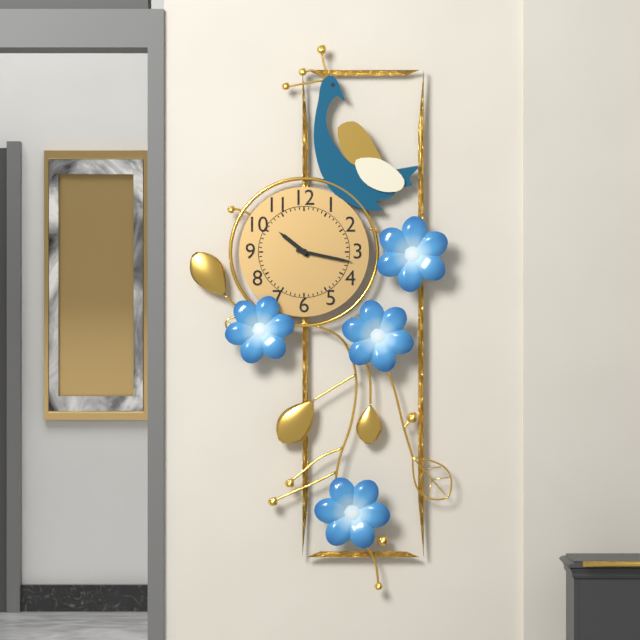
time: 10:17
